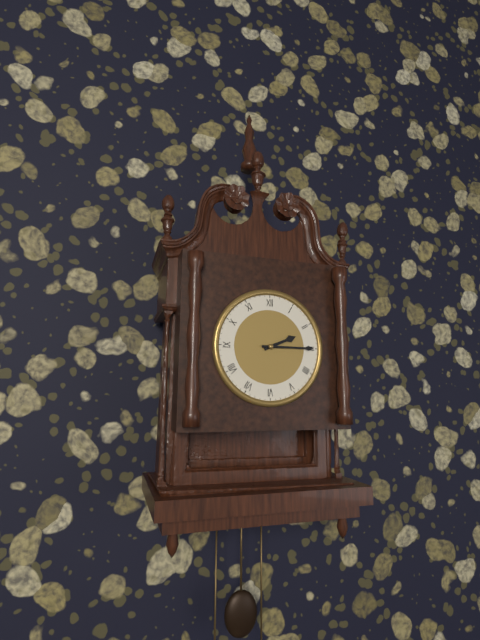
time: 2:15
